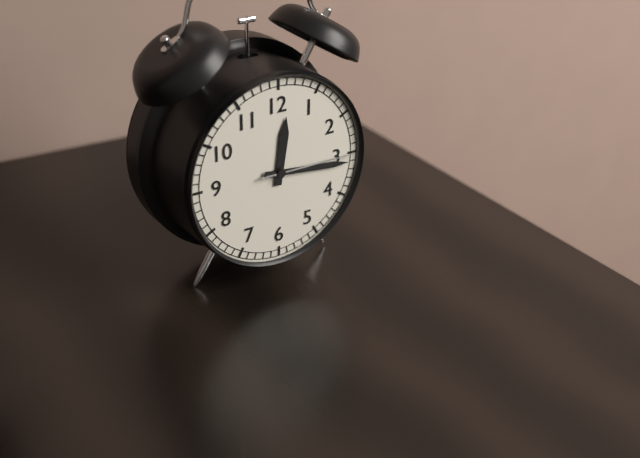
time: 12:16:15
